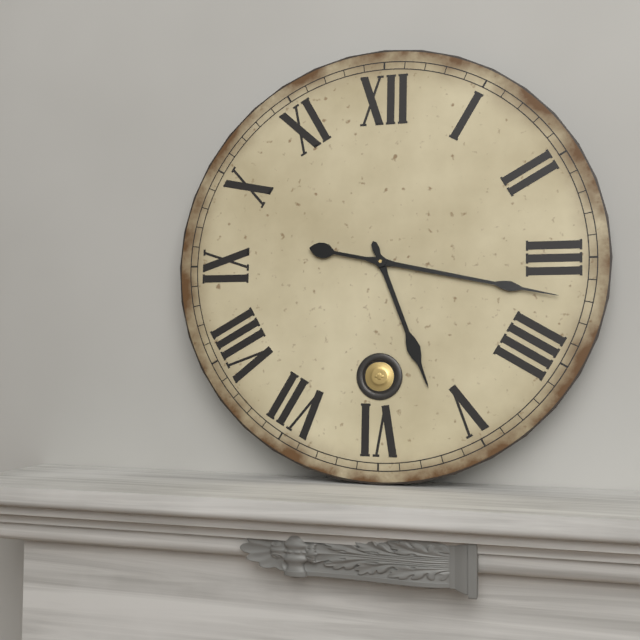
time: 5:17
